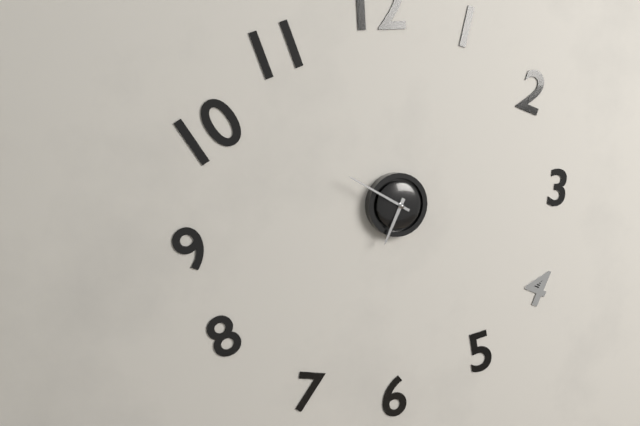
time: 6:50
